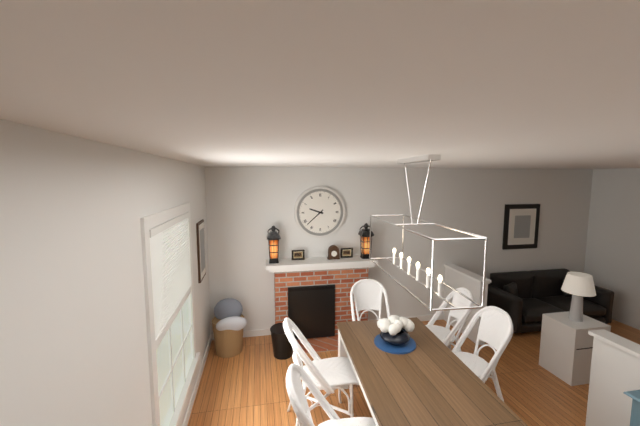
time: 9:38
